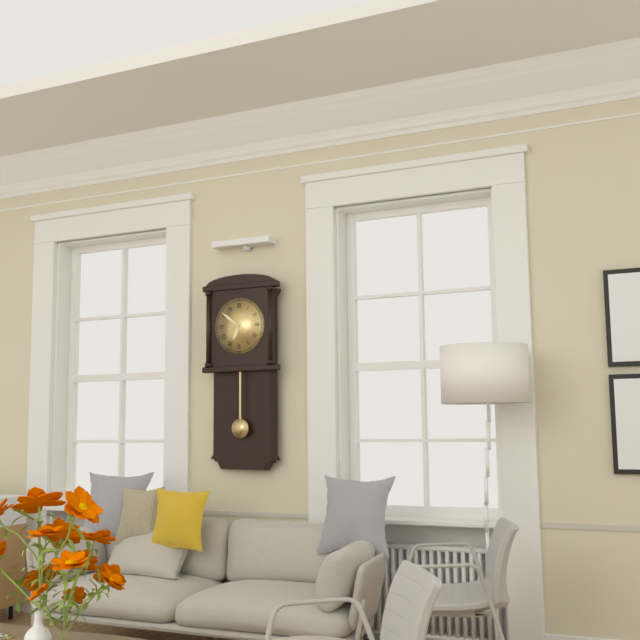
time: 6:51
